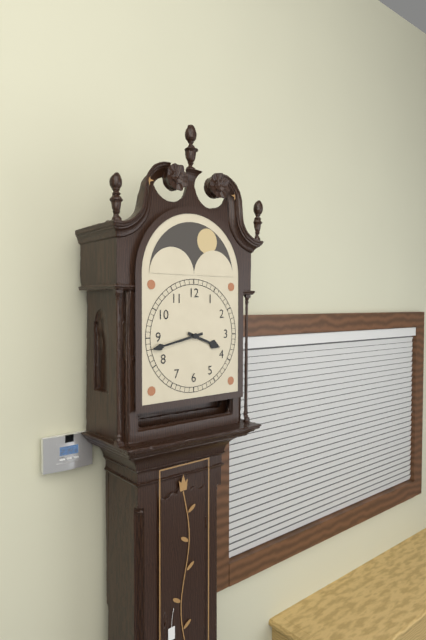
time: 3:43
